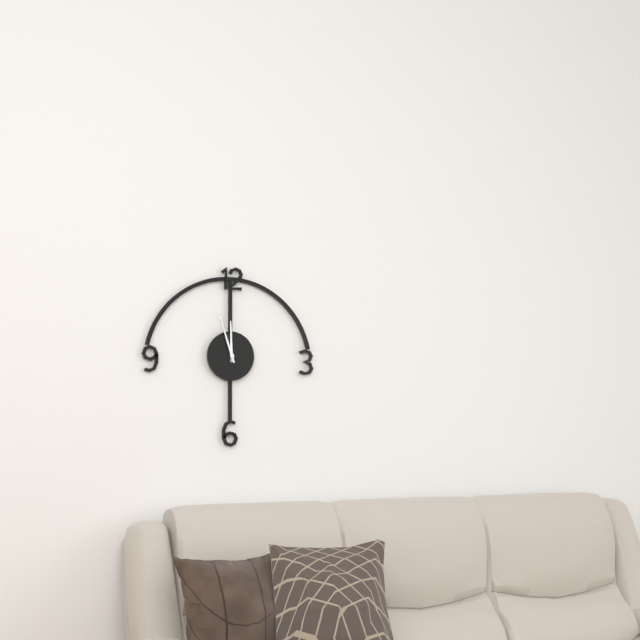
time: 11:57
